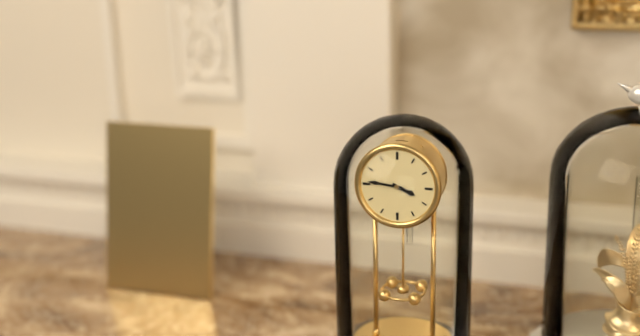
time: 3:46
